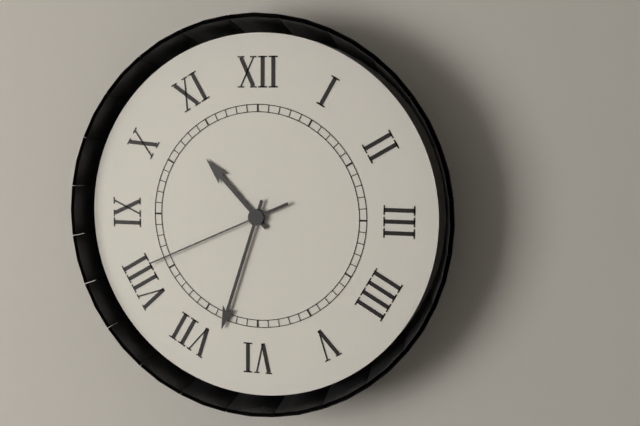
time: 10:33:41
